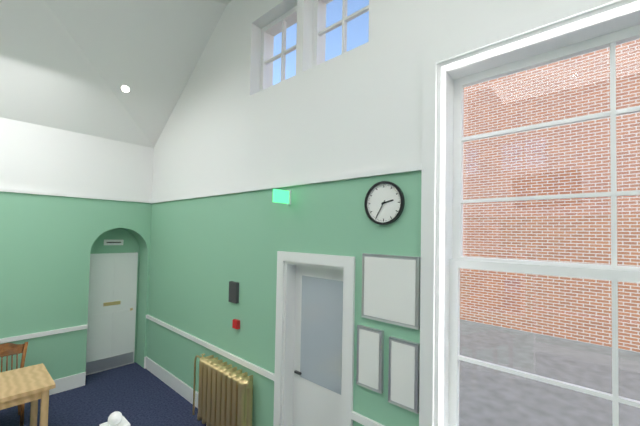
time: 2:35
